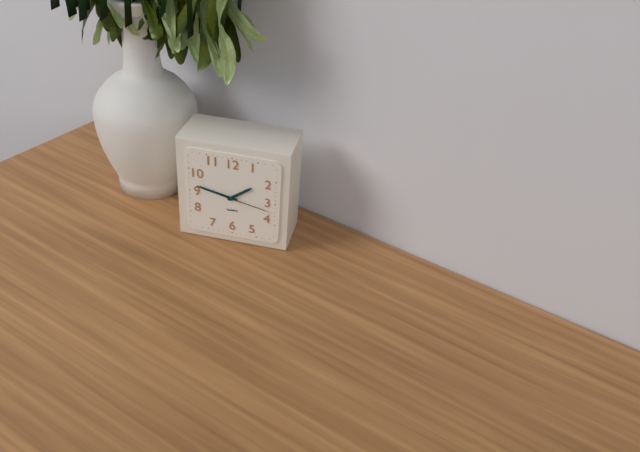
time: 1:47:17
